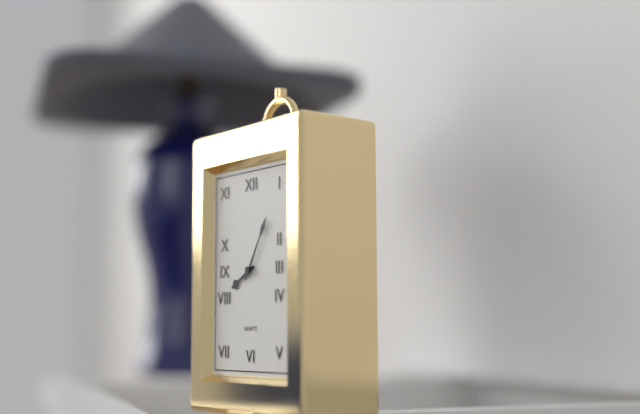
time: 8:05
